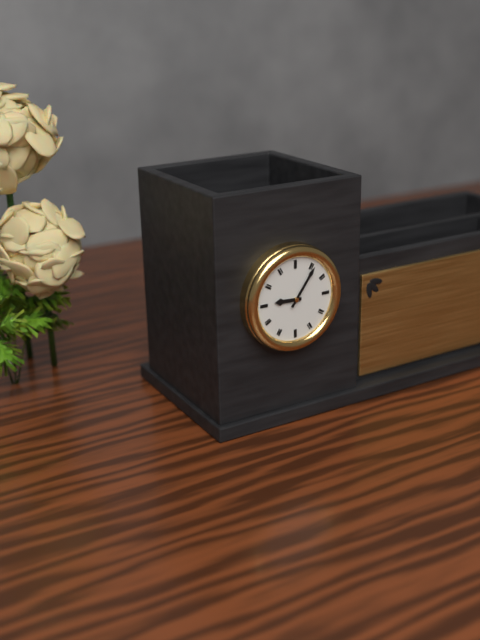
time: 9:06
